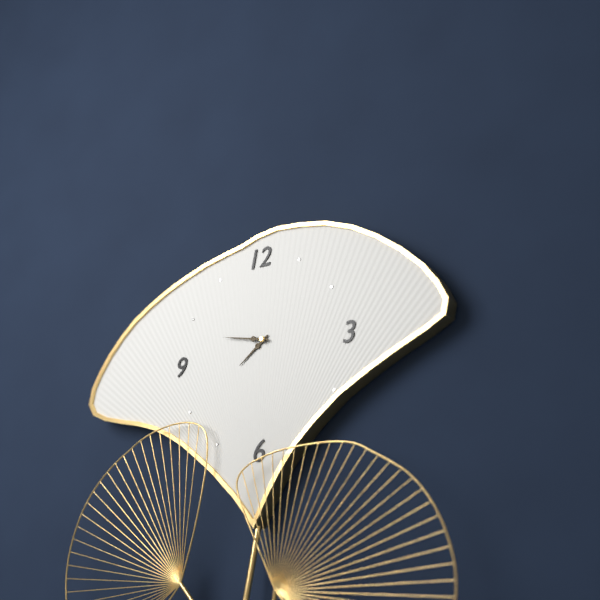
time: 7:47
